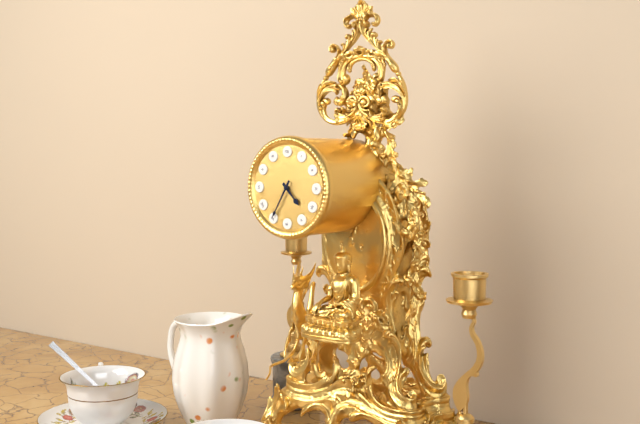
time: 4:35
